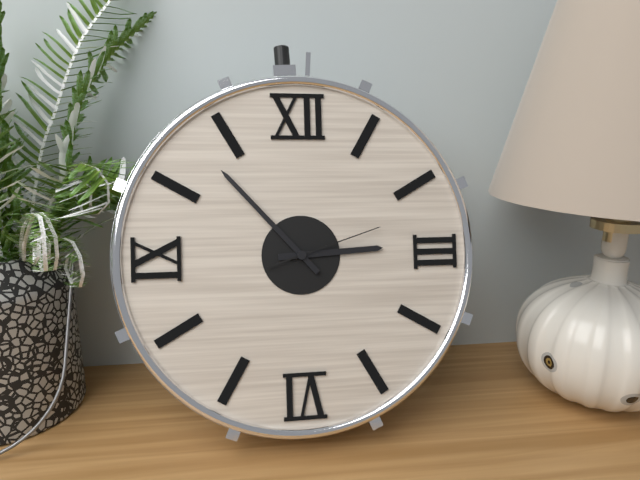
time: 2:53:12
